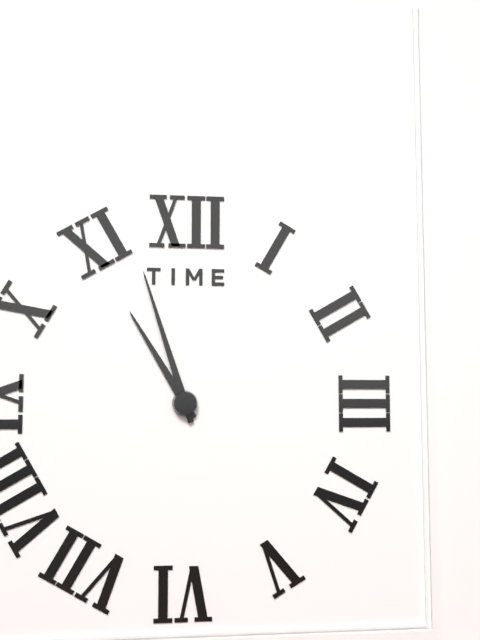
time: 10:57
